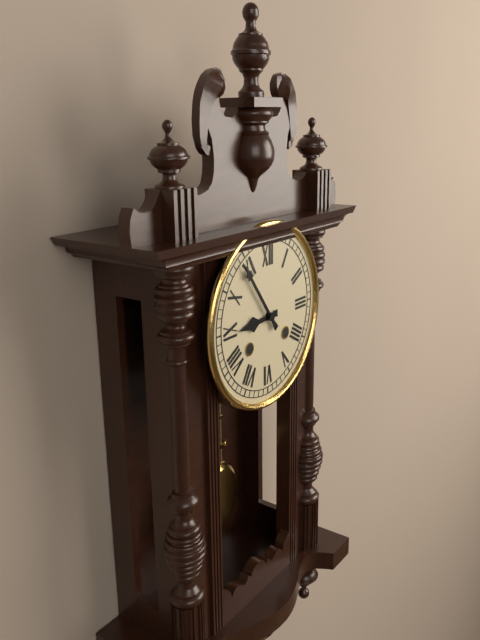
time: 8:54
